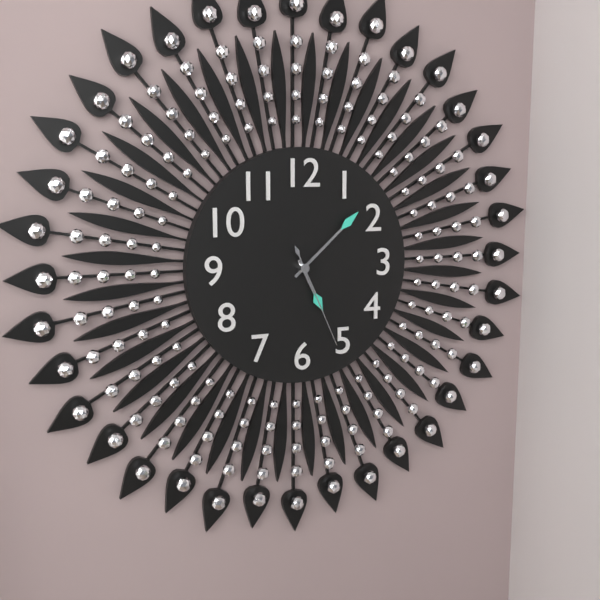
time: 5:08:26
